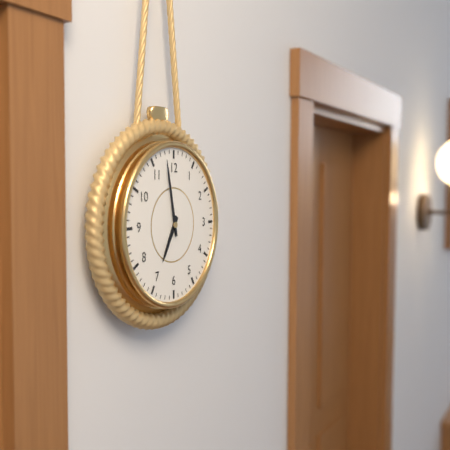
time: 6:58
